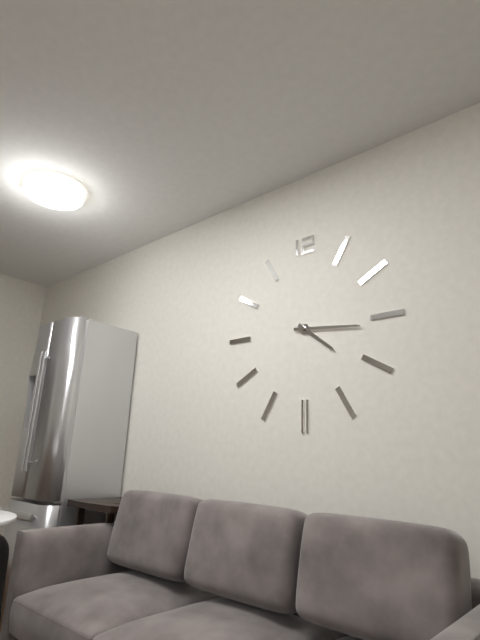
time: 4:16
